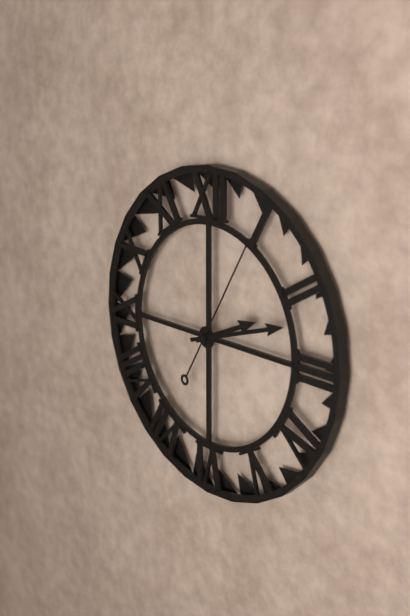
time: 2:12:05
